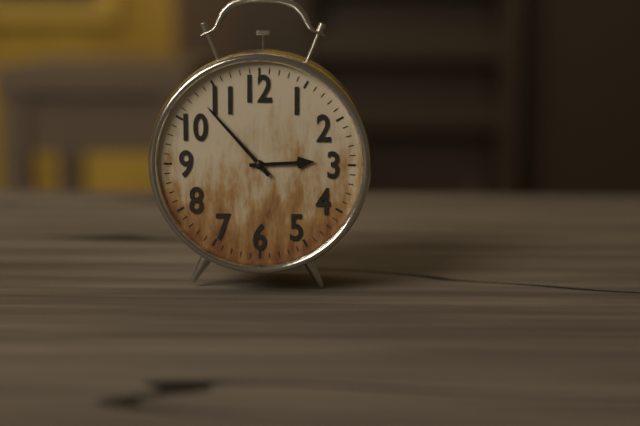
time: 2:53
